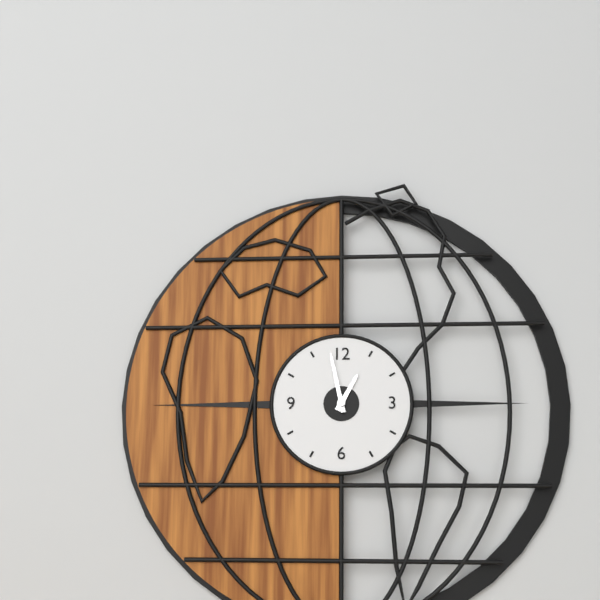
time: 12:58
